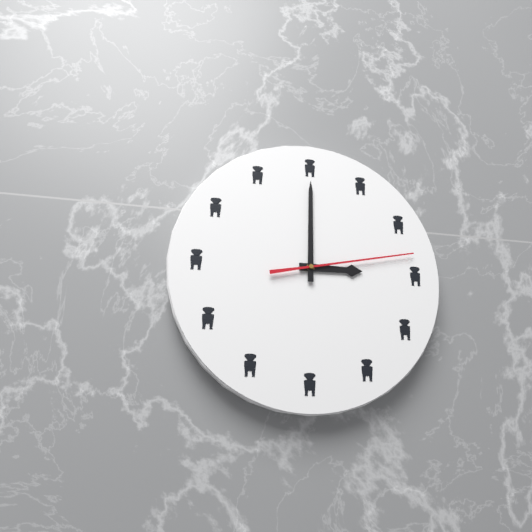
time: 3:00:13
